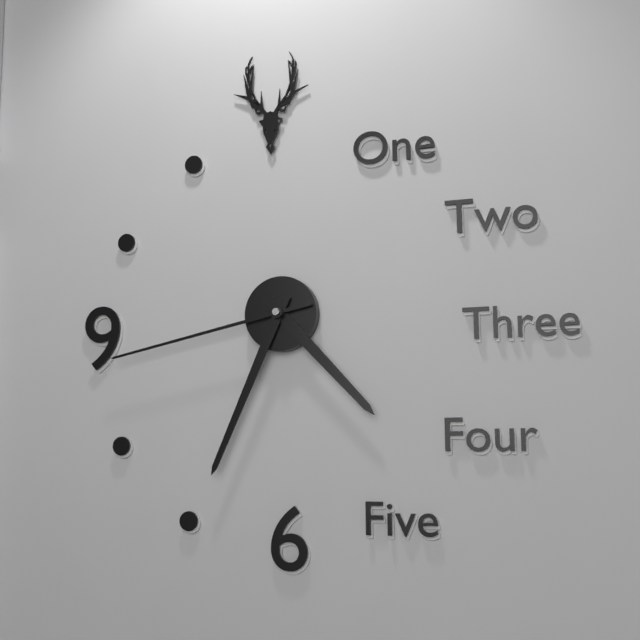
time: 4:34:43
